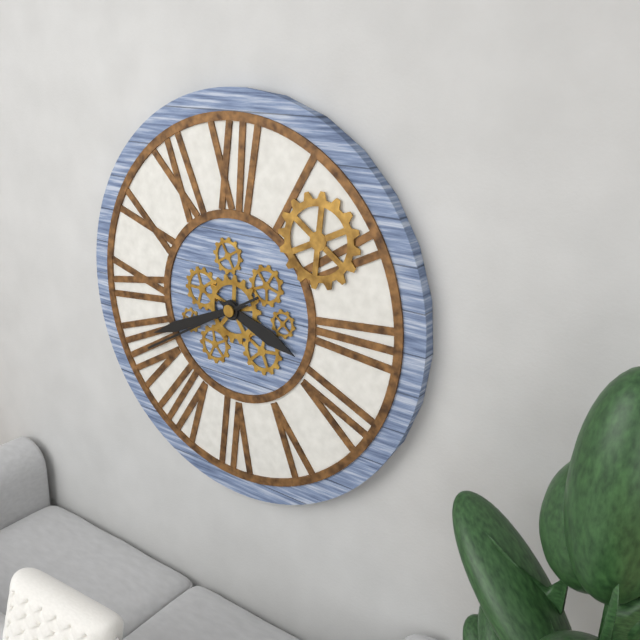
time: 3:41:40
